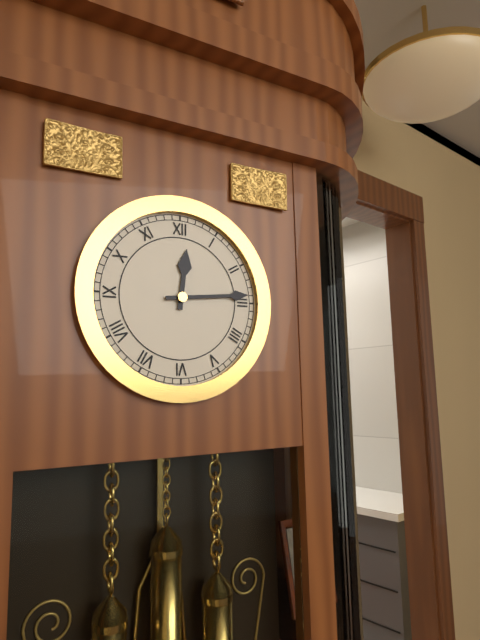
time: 12:14
